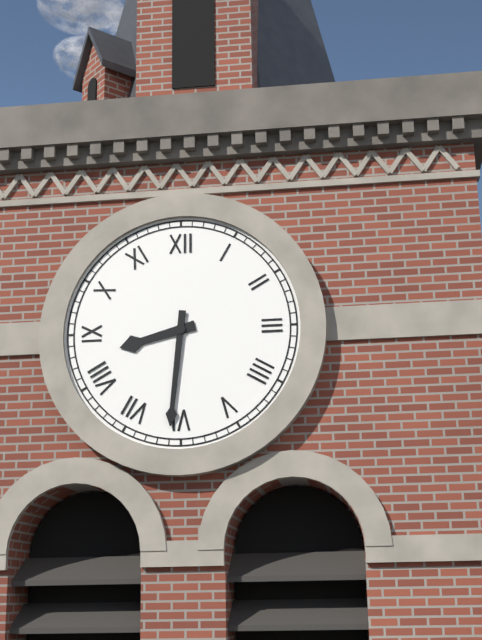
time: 8:31
